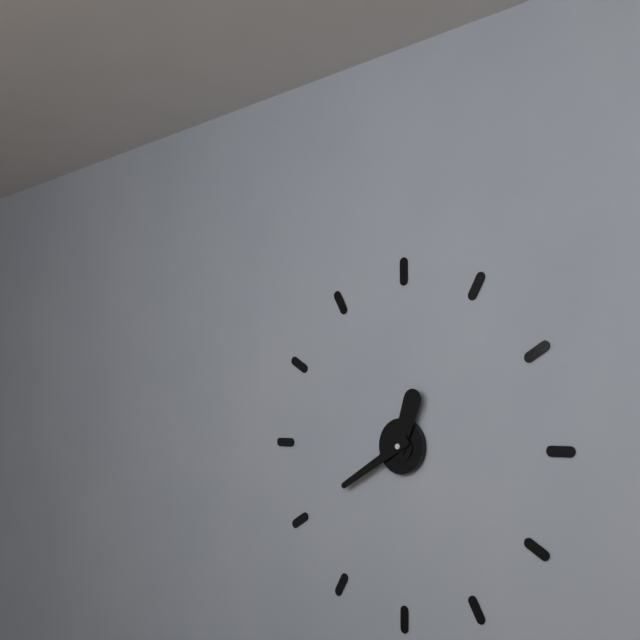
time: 12:40
